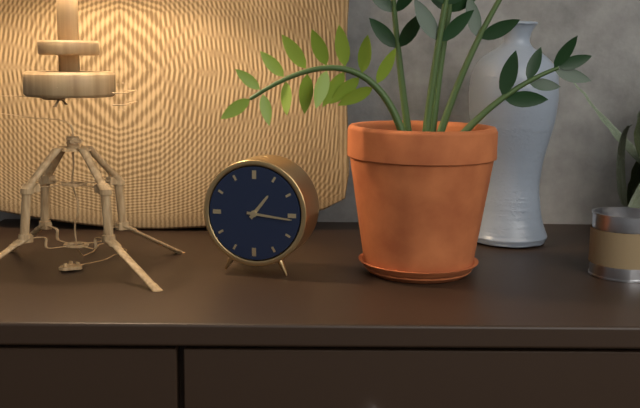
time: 1:16
